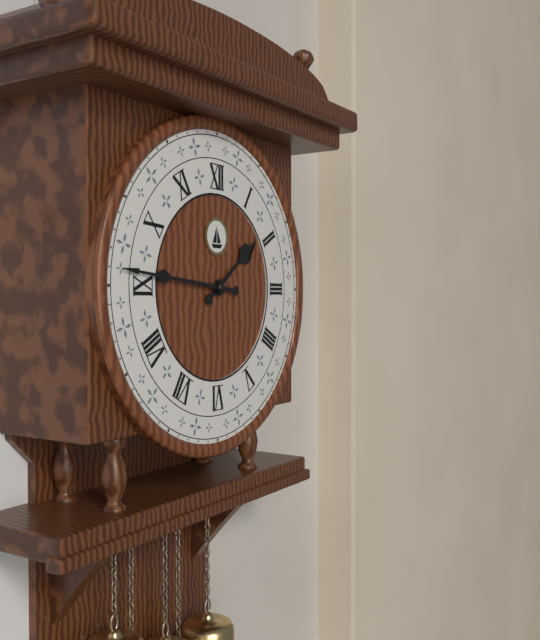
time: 1:46
